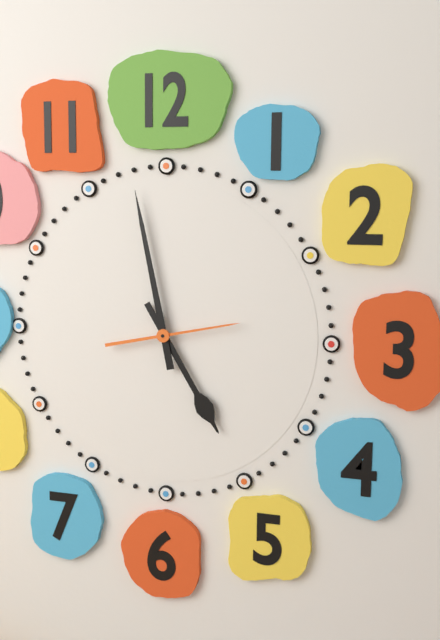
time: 4:58:13
